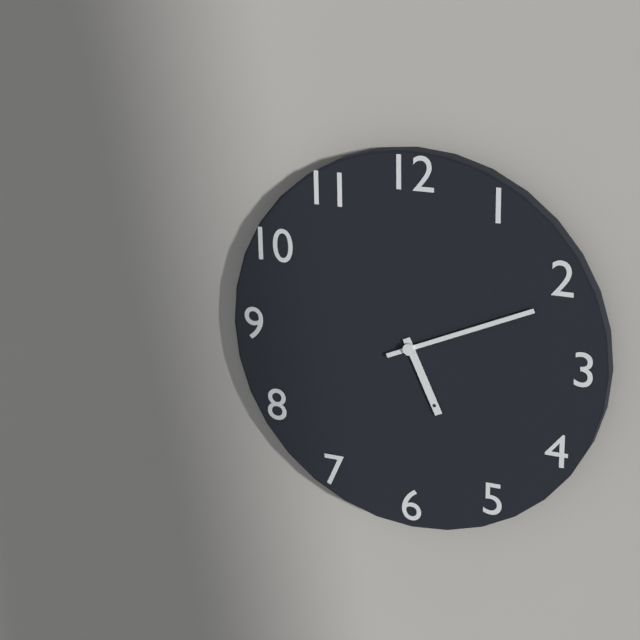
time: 5:11
